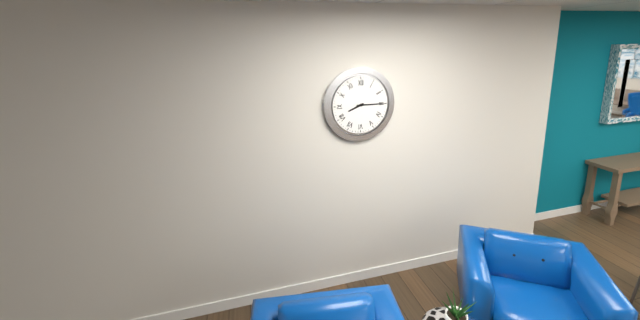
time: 8:15
